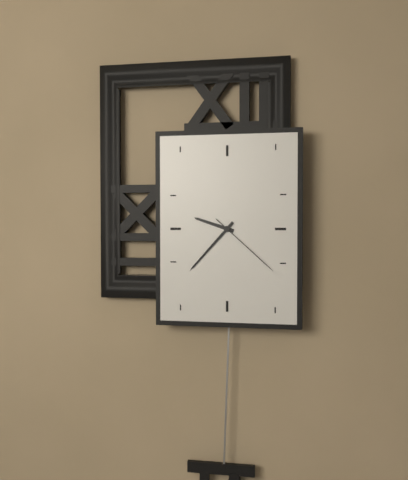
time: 9:37:22
